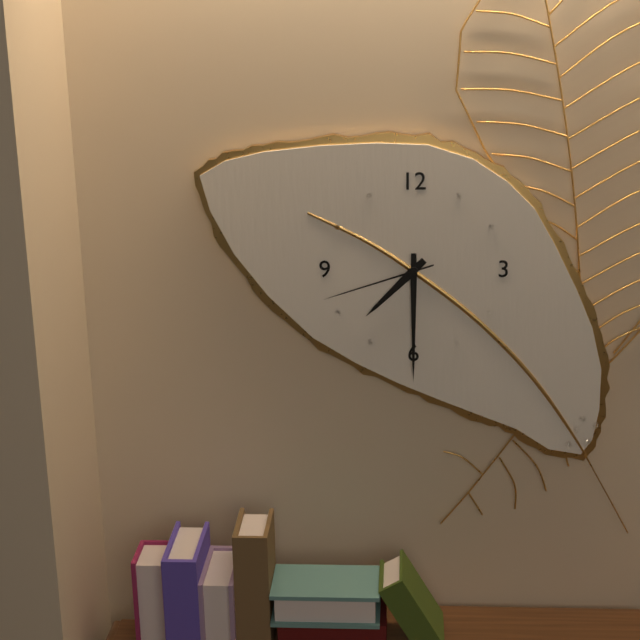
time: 7:30:42
